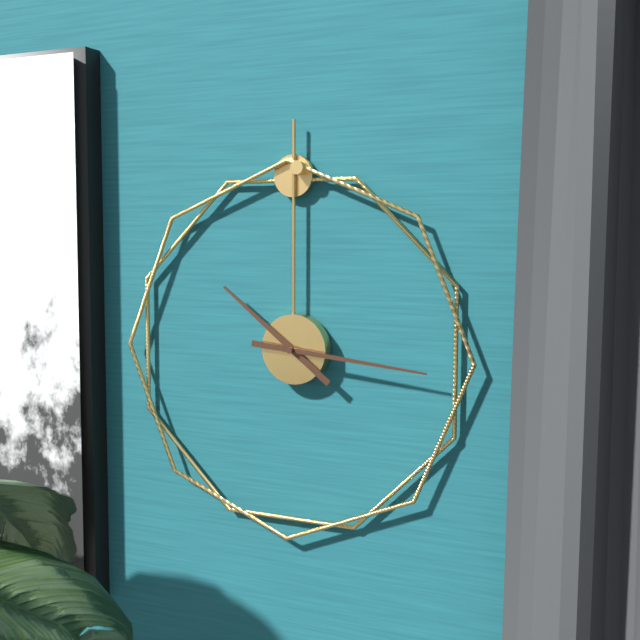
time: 10:16
